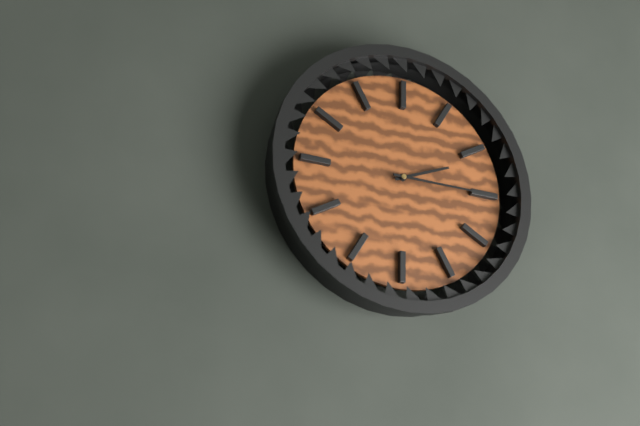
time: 2:15
